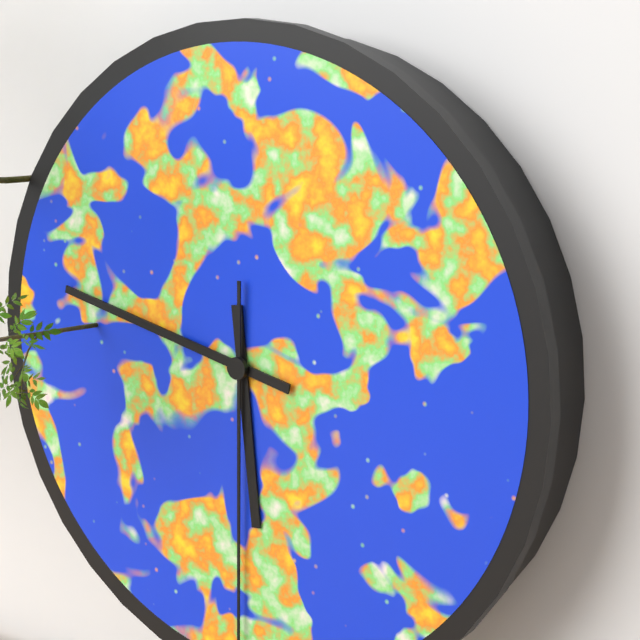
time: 5:47
